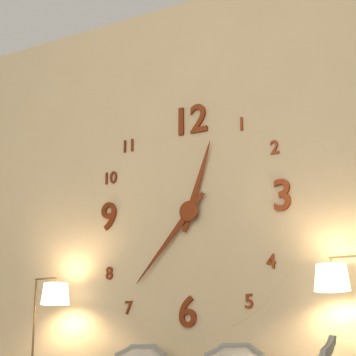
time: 12:37
